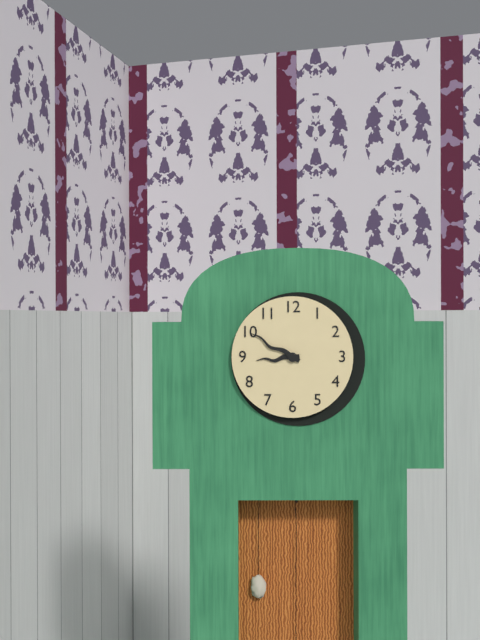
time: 8:50
